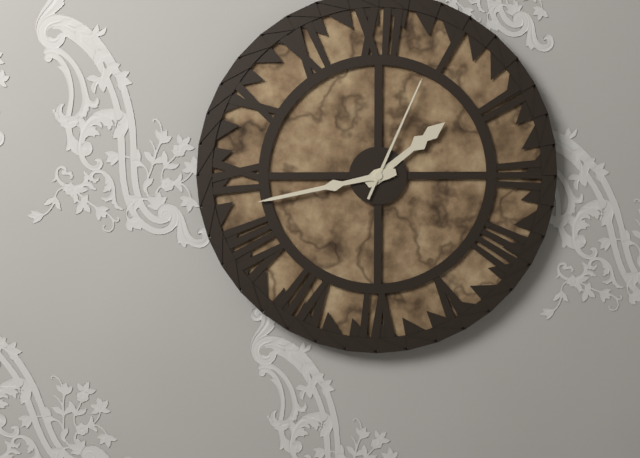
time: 1:43:04
